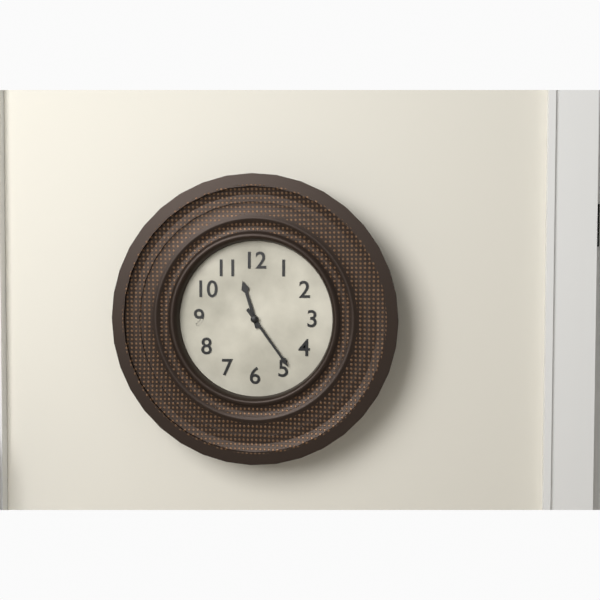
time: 11:24
